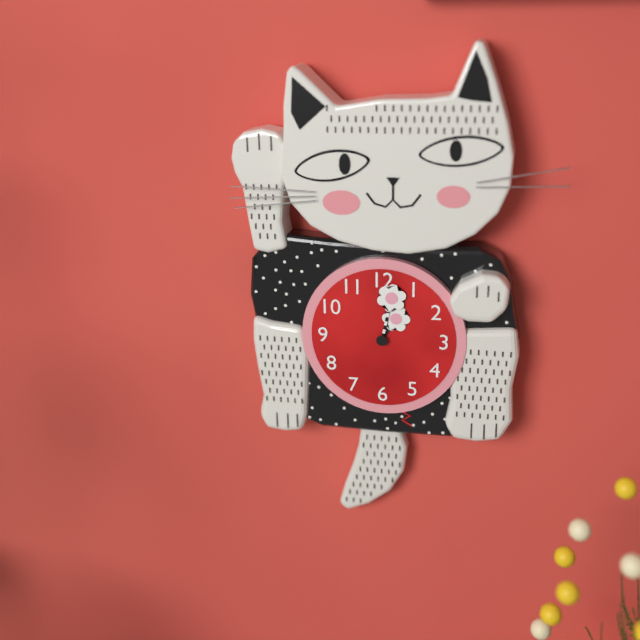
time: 1:02
